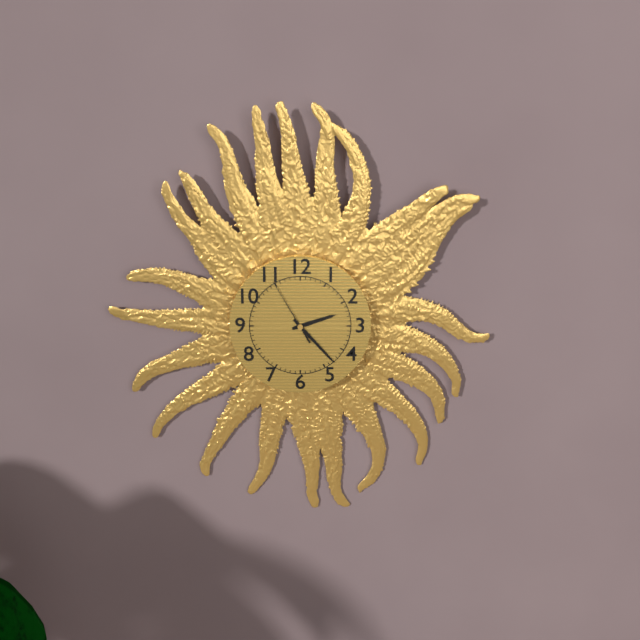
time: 2:23:55
